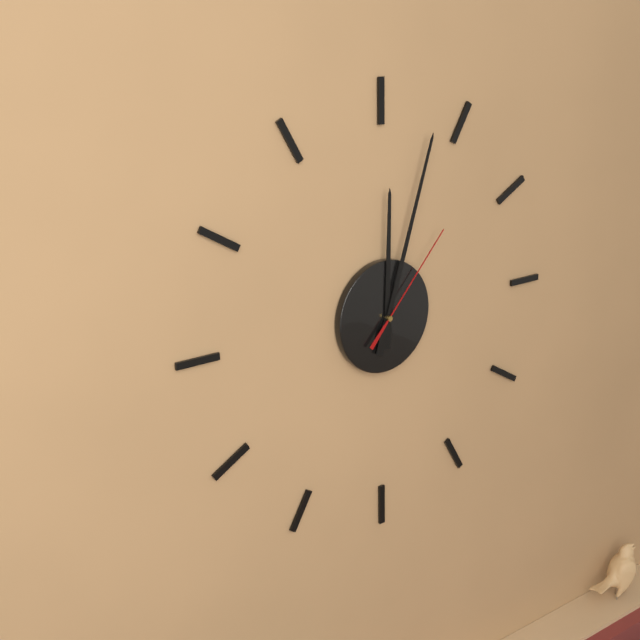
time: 12:03:07
